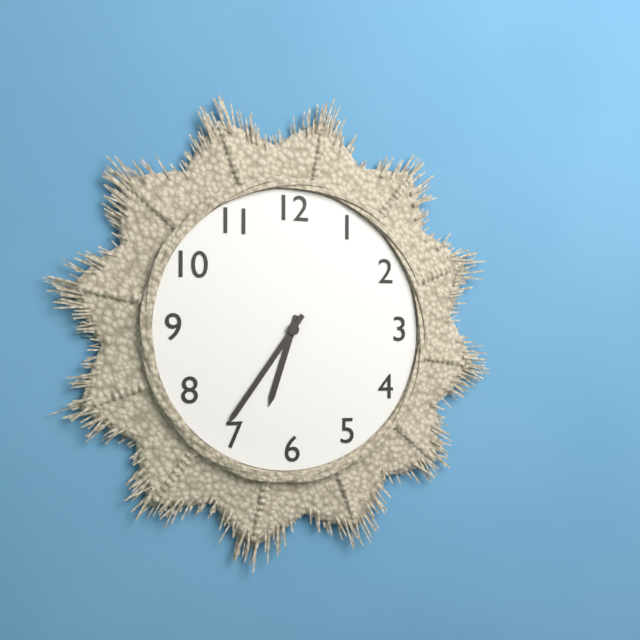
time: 6:36
